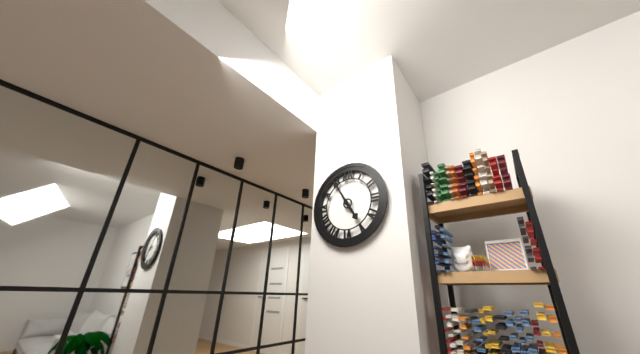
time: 4:55
